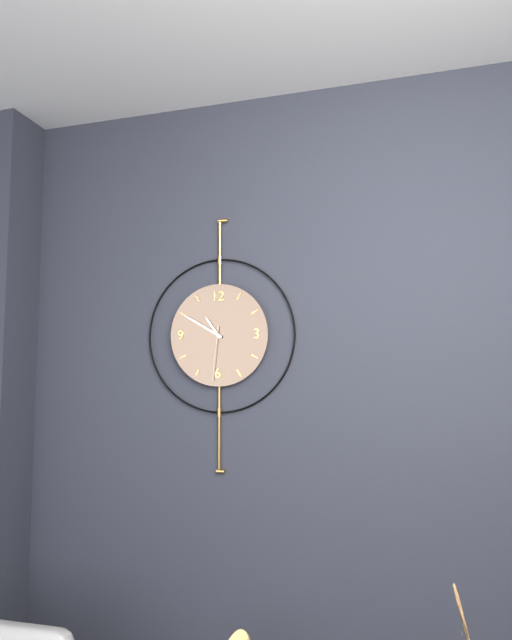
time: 10:50:31
